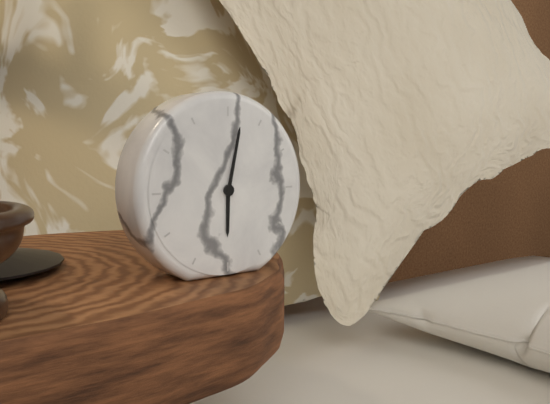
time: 6:02
